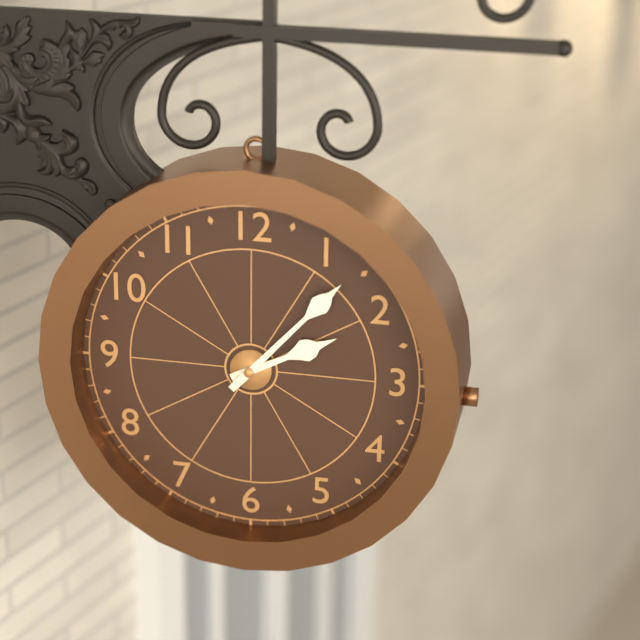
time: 2:07
